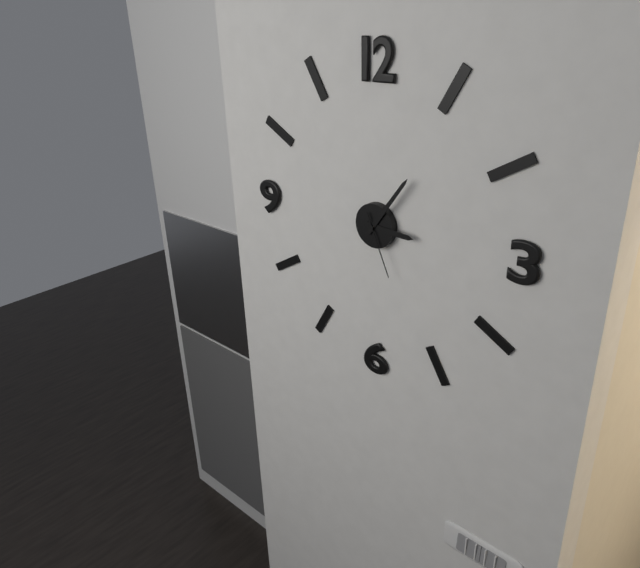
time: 3:06:26
